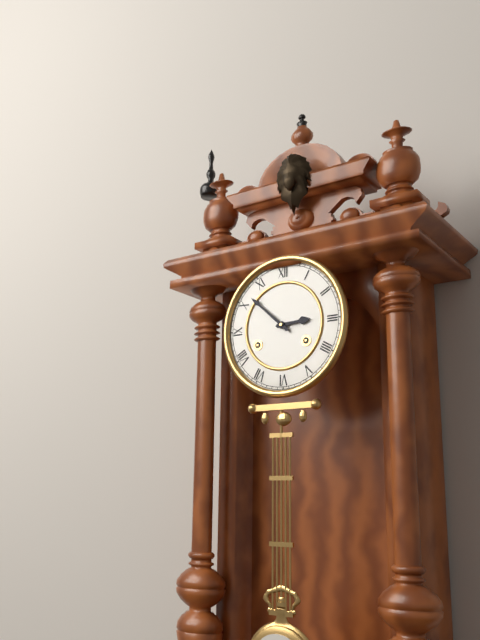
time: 2:52
